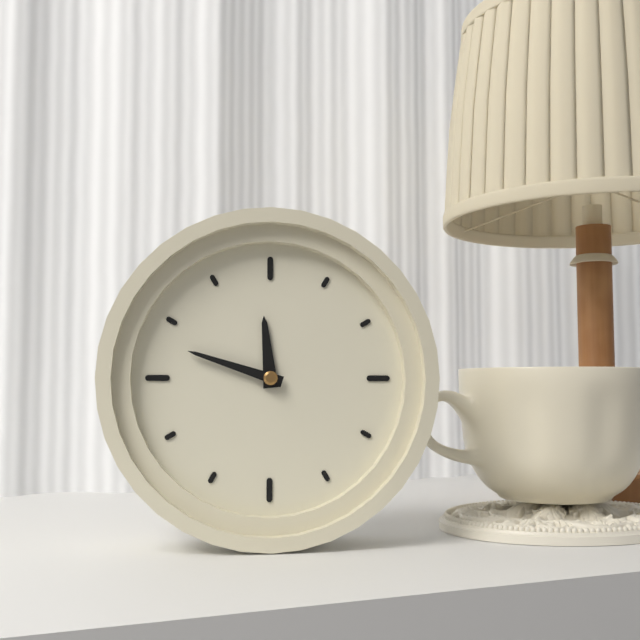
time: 11:48
